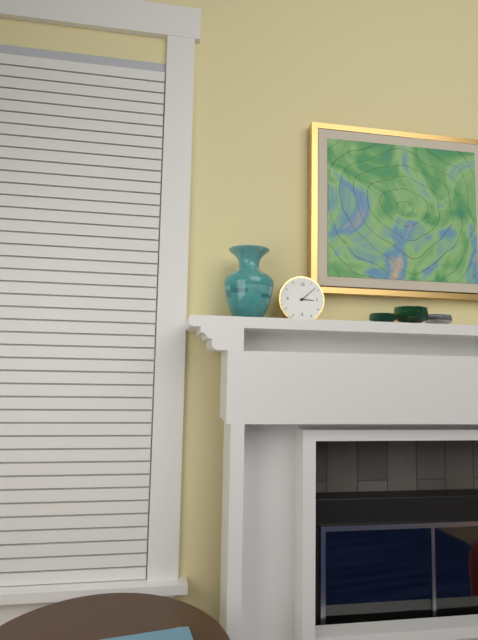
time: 3:08
